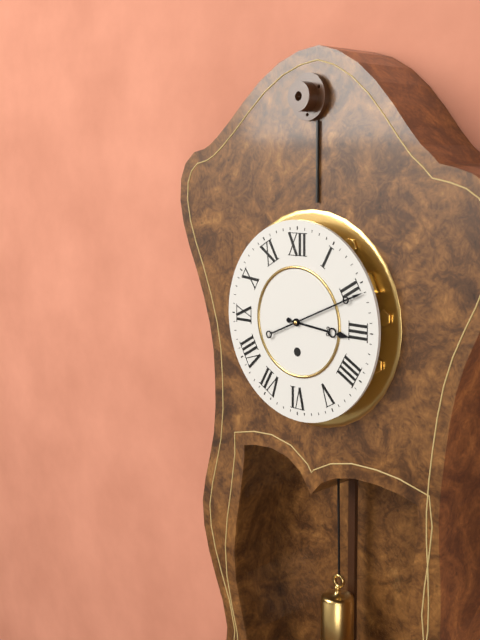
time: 3:11
